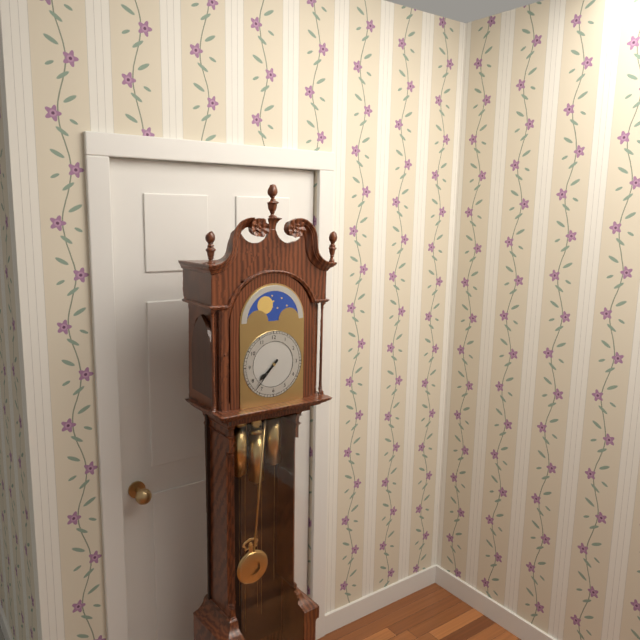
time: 7:37
